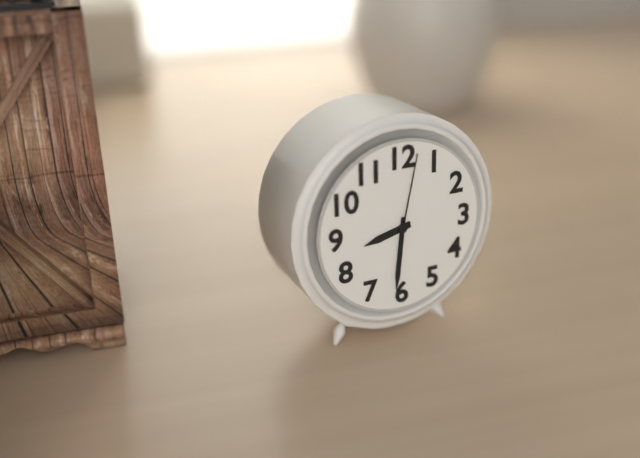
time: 8:31:02
